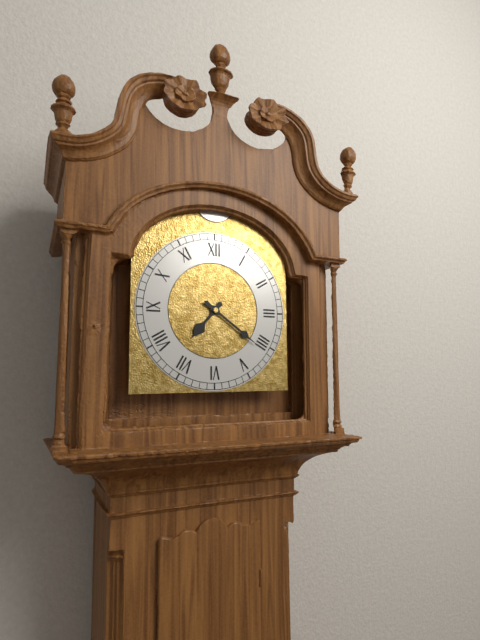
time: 7:21
